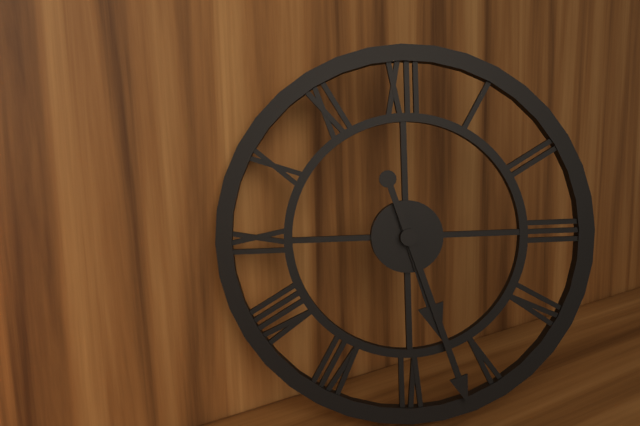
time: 5:27
